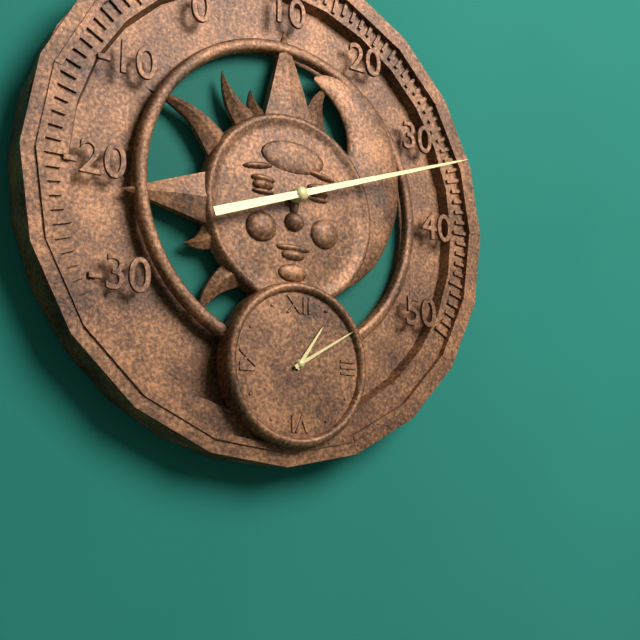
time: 1:10
